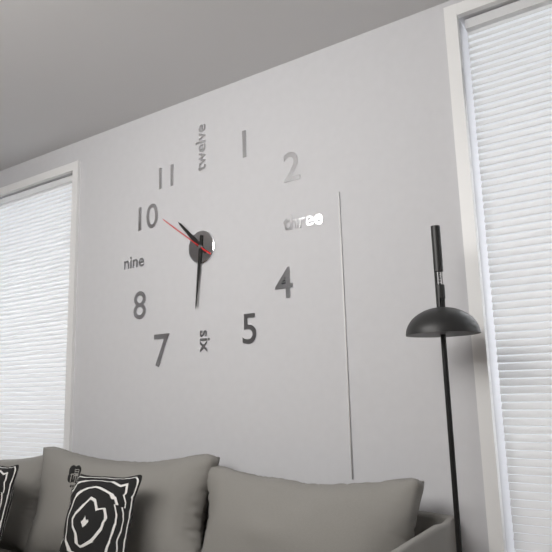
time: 10:31:51
